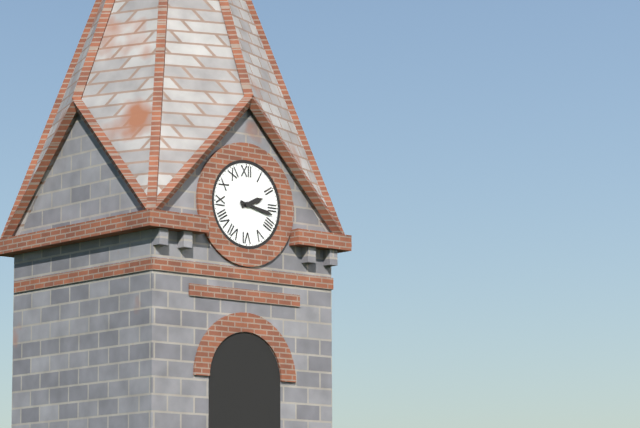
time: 2:17
